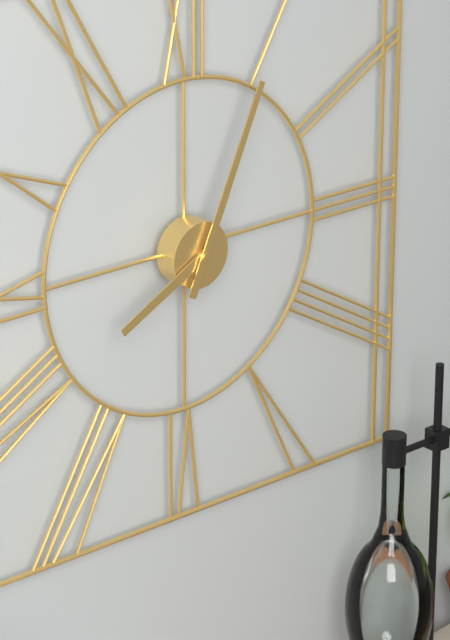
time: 8:04
